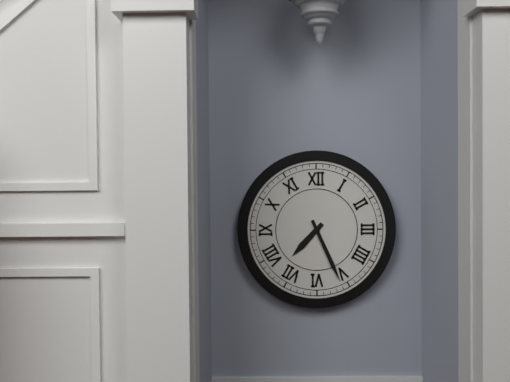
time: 7:26
